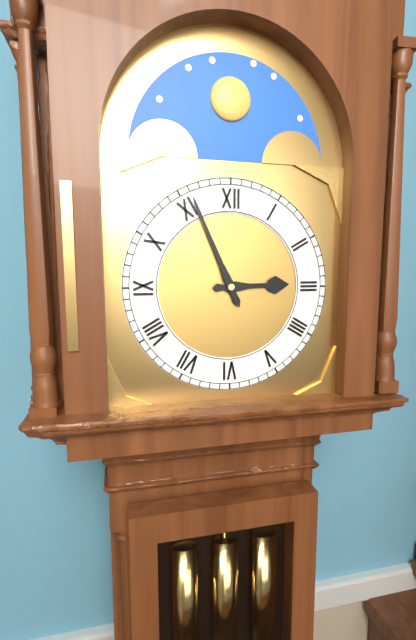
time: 2:56
